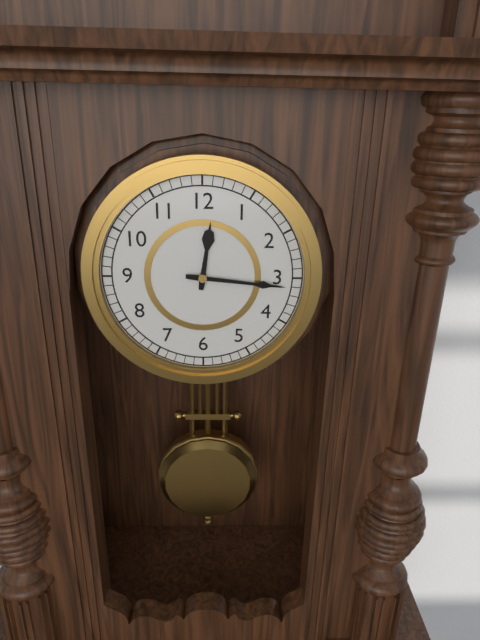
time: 12:16
